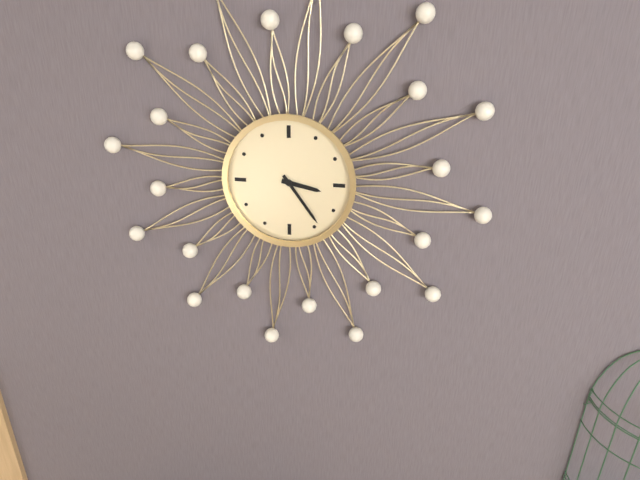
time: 3:24
